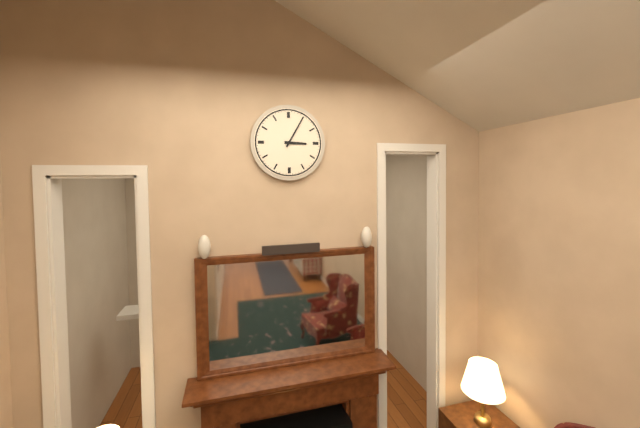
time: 3:05
